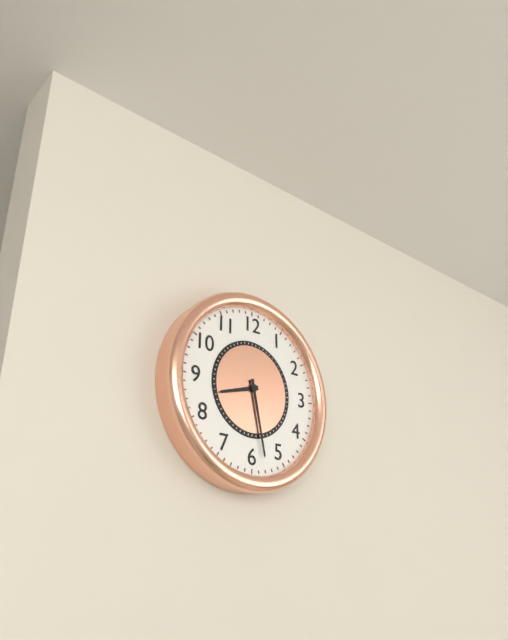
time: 8:28
